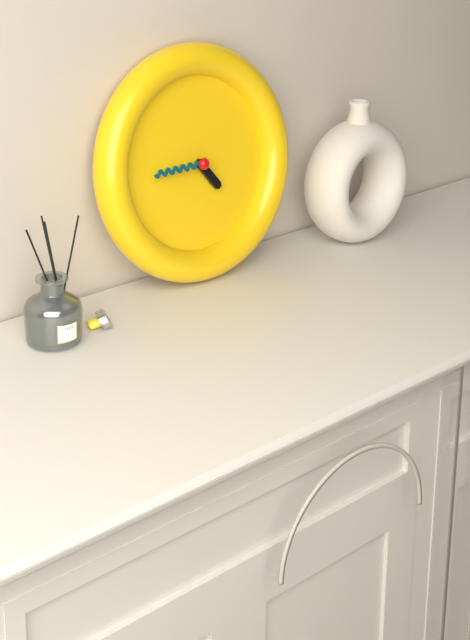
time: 4:45
